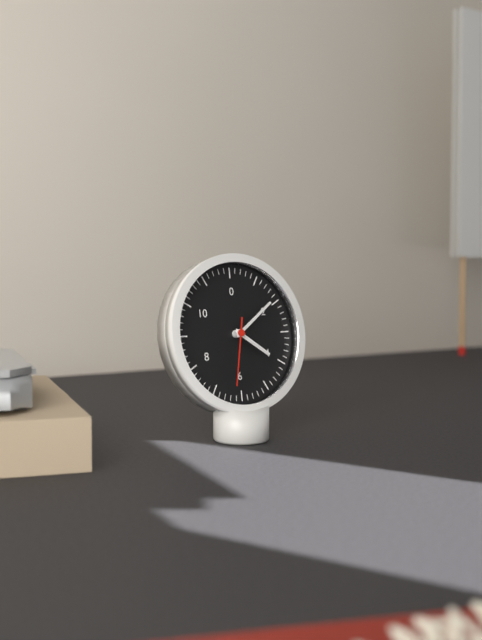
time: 4:09:32
